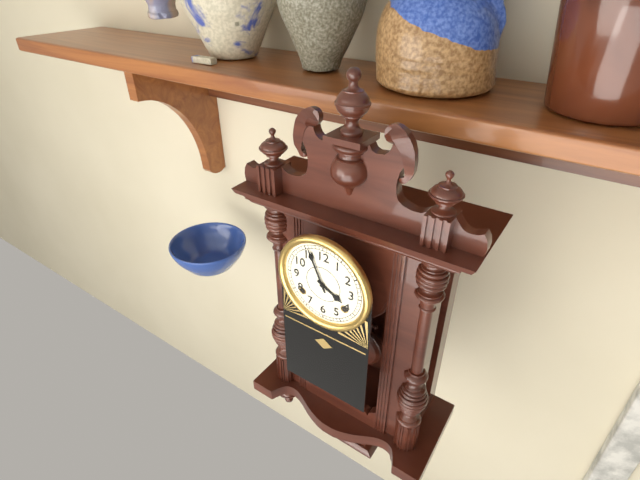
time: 3:56
